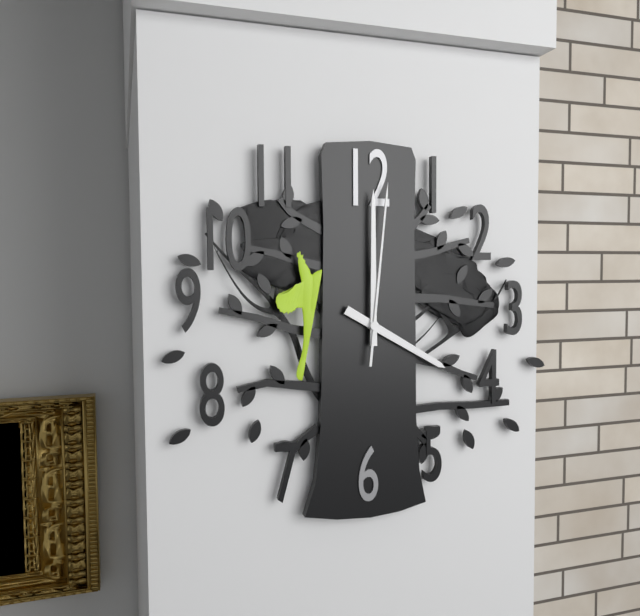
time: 4:00:01
